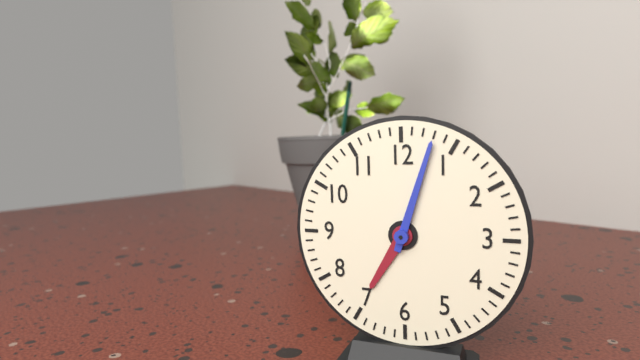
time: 7:03
